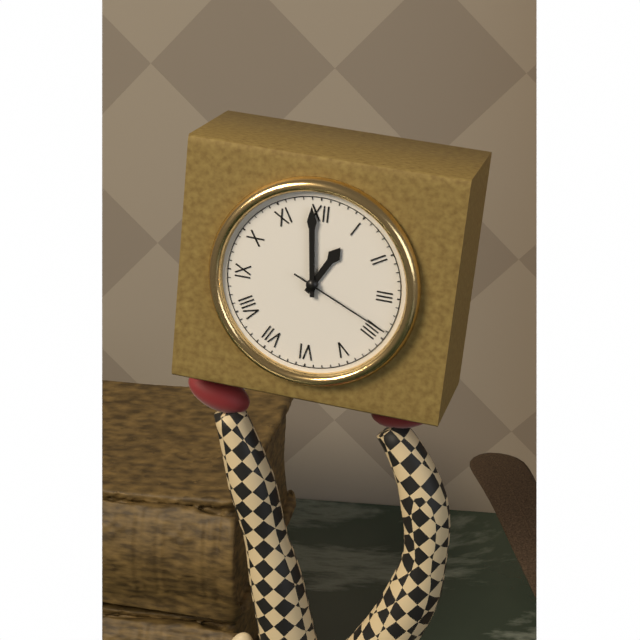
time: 12:59:19
